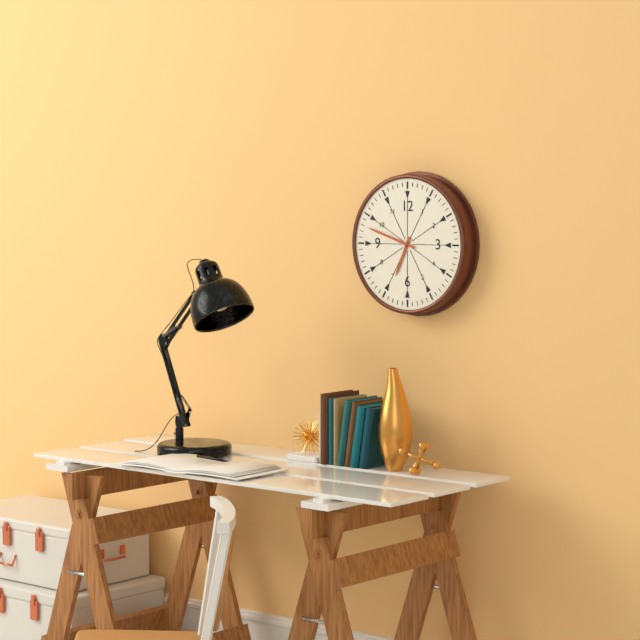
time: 6:48
